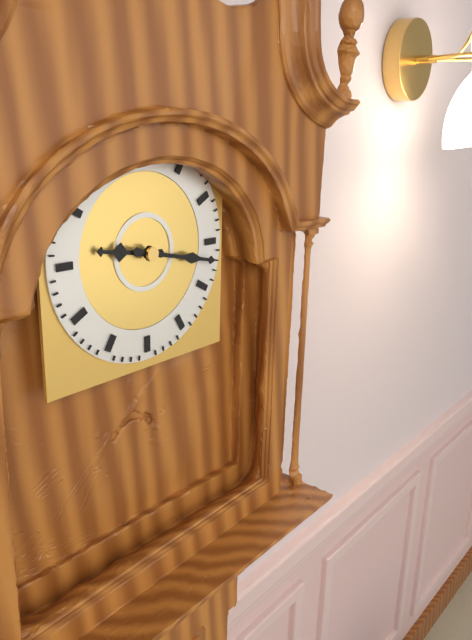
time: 9:17
